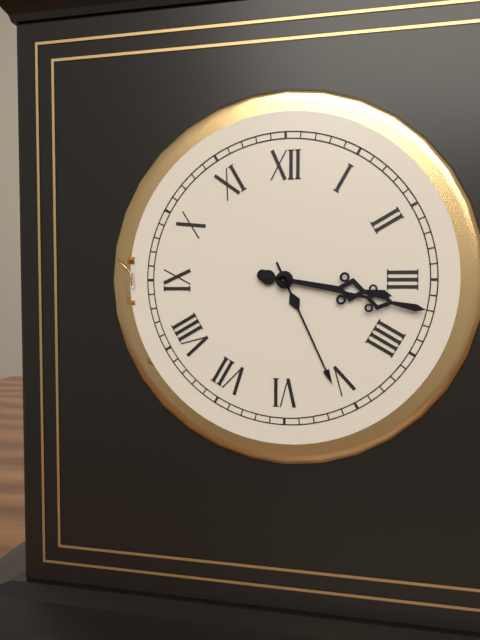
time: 3:17
